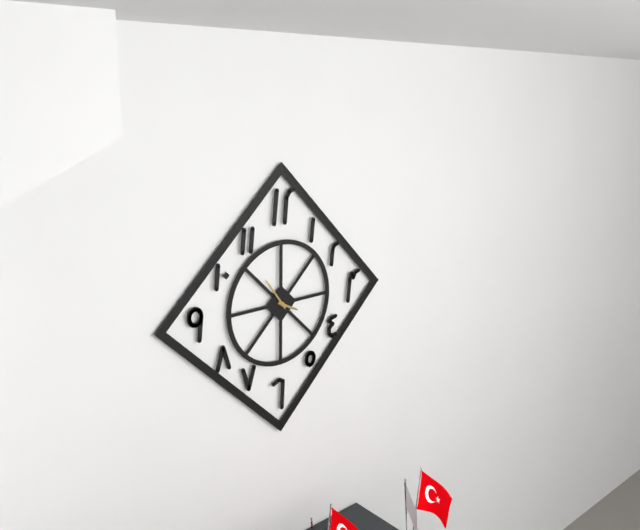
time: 3:54
